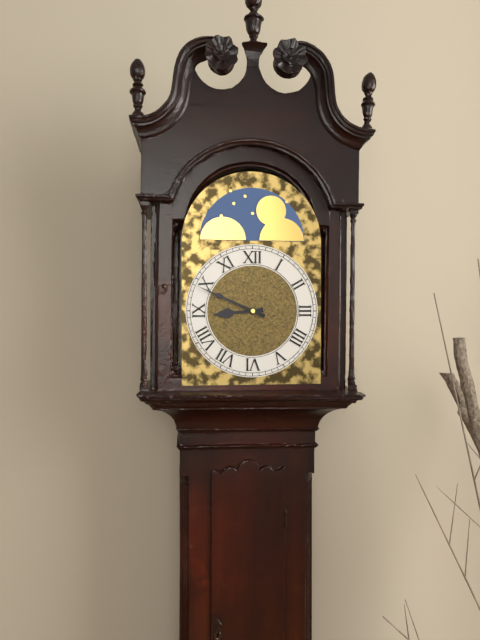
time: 8:49
